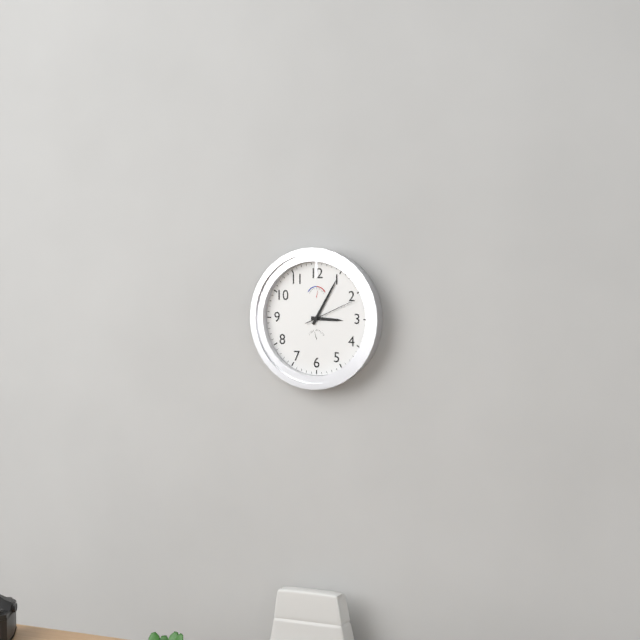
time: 3:05:11
